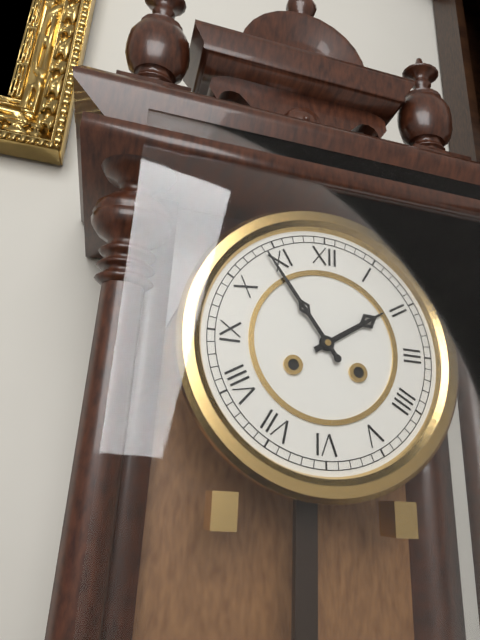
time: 1:54
